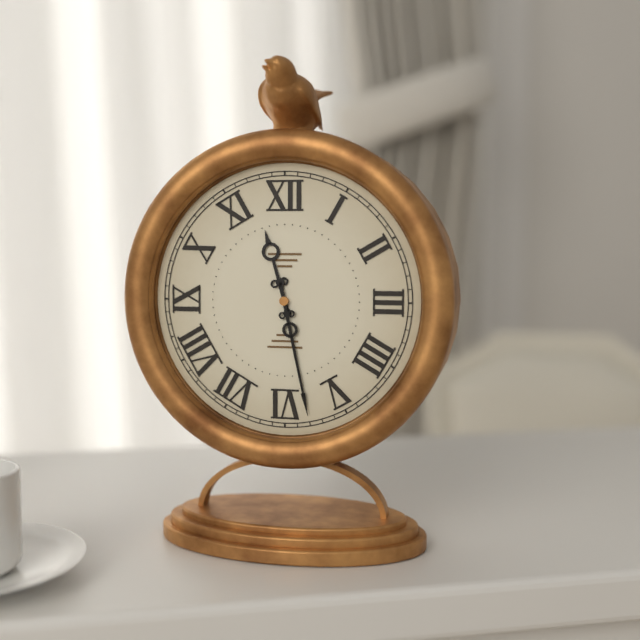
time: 11:28
